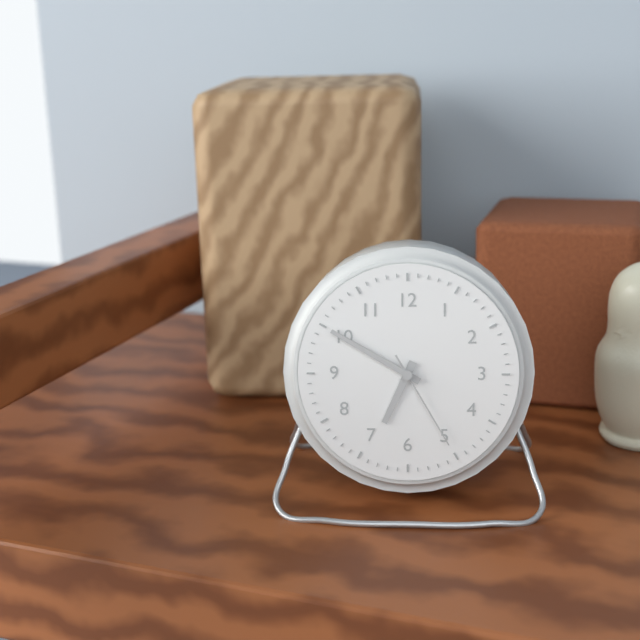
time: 6:50:25
